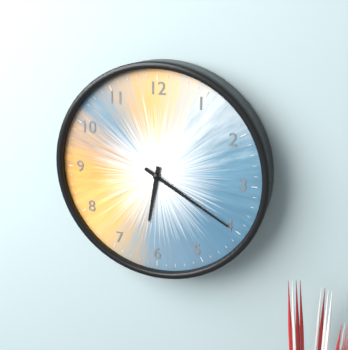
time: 6:20
